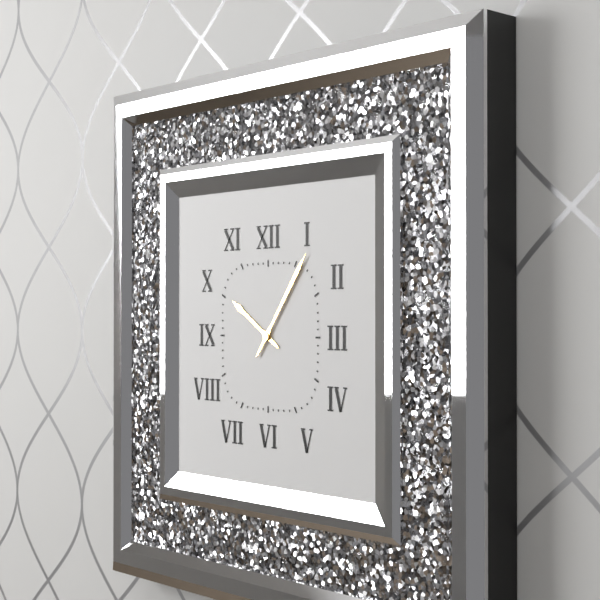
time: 10:06
